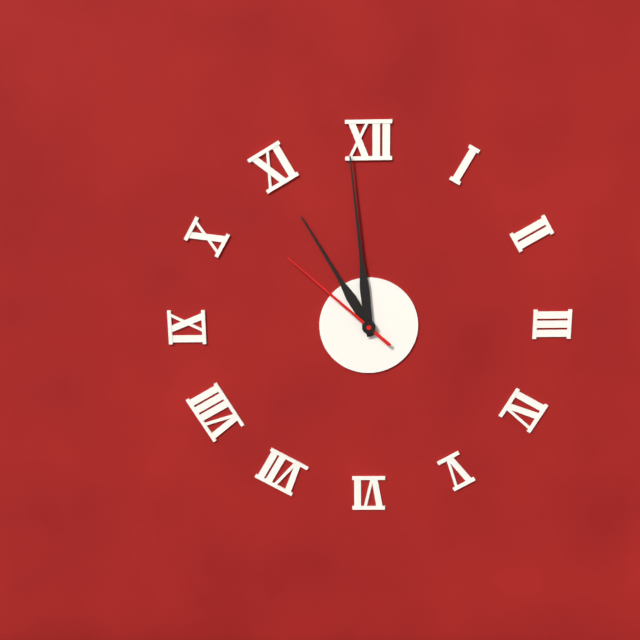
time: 10:59:52
